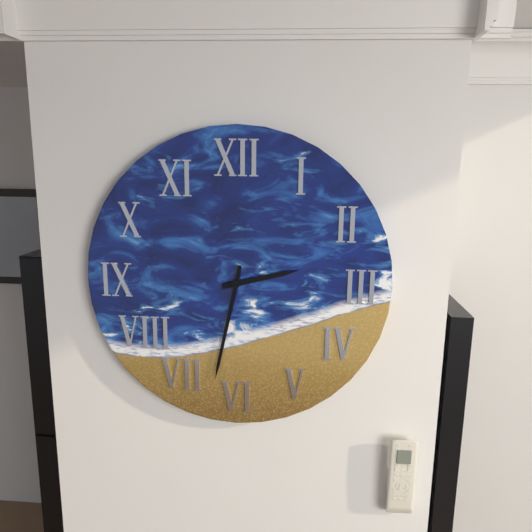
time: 2:32
